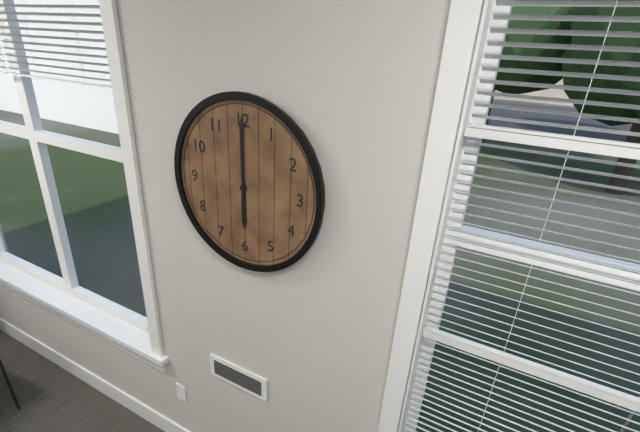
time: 6:00
